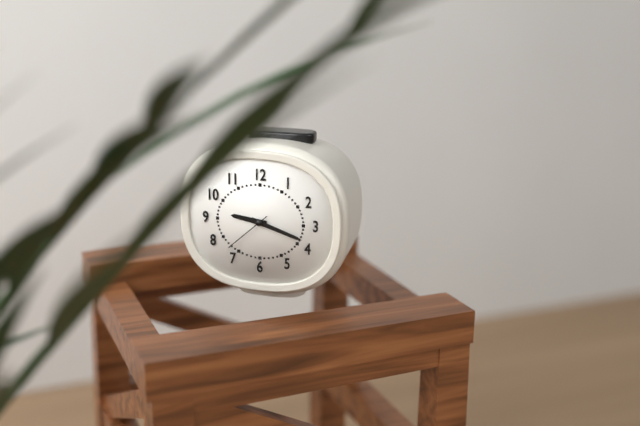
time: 9:18
